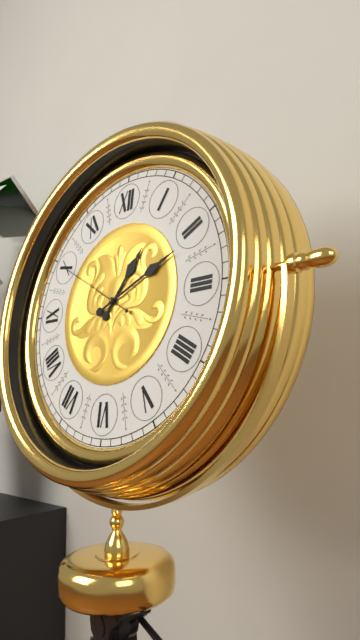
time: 1:11:50
